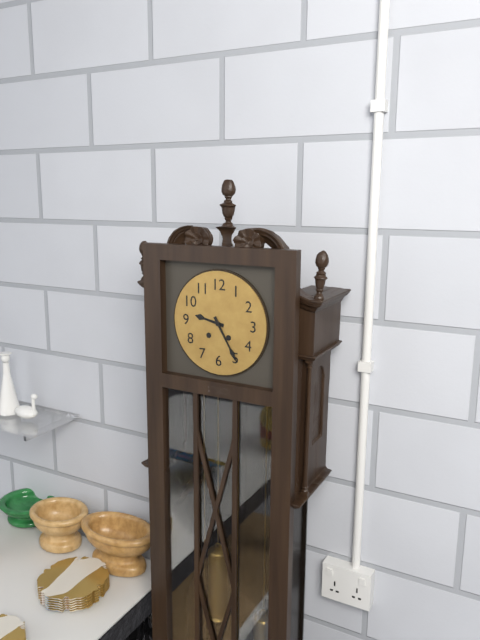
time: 9:25
